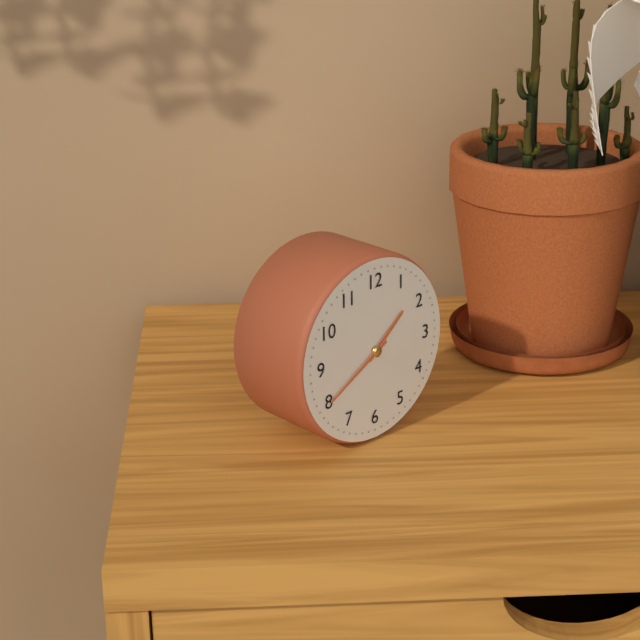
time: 1:40
